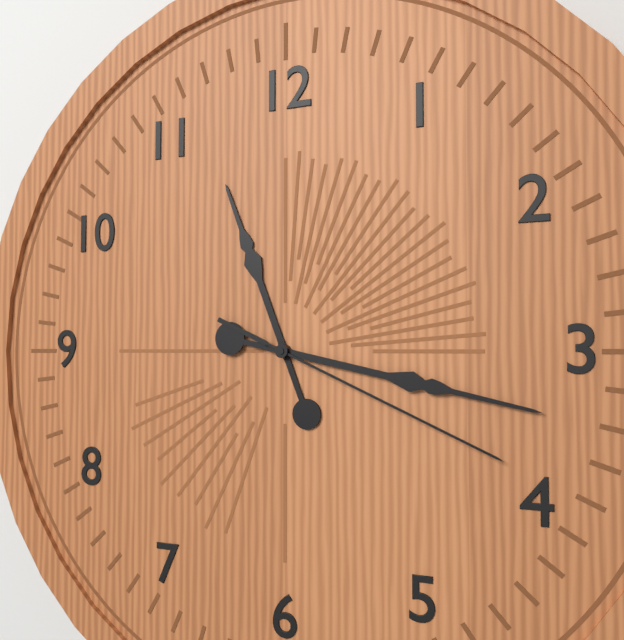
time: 11:17:19
